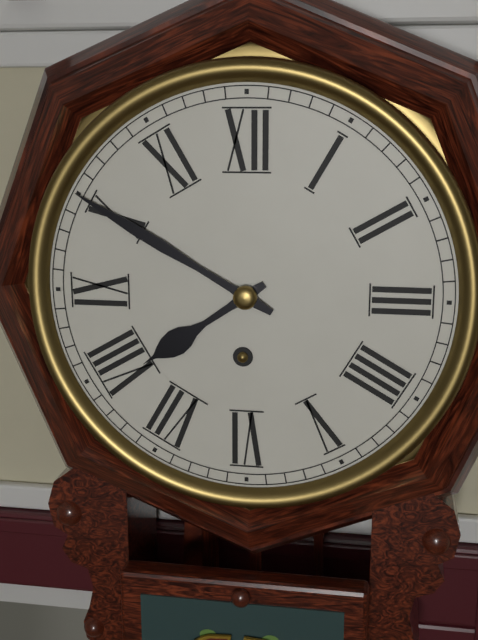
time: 7:50
